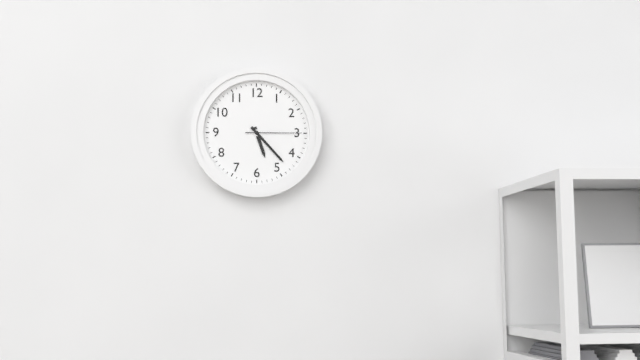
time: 5:23:15
